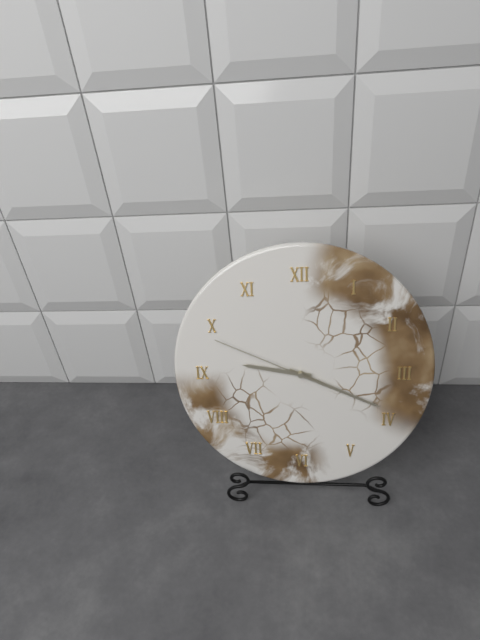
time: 9:19:49
